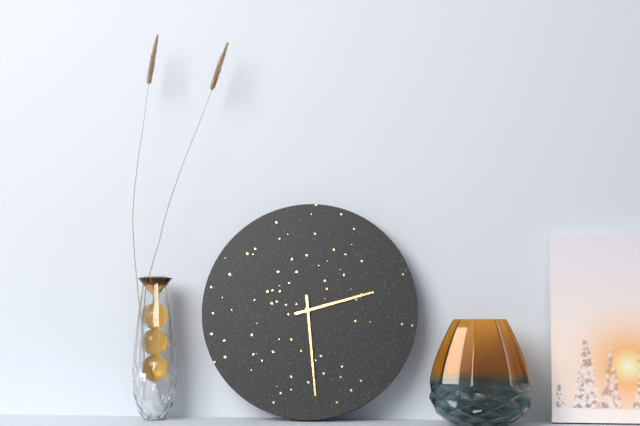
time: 2:29
